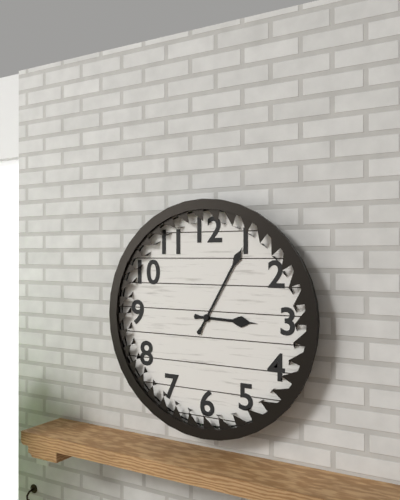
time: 3:05
